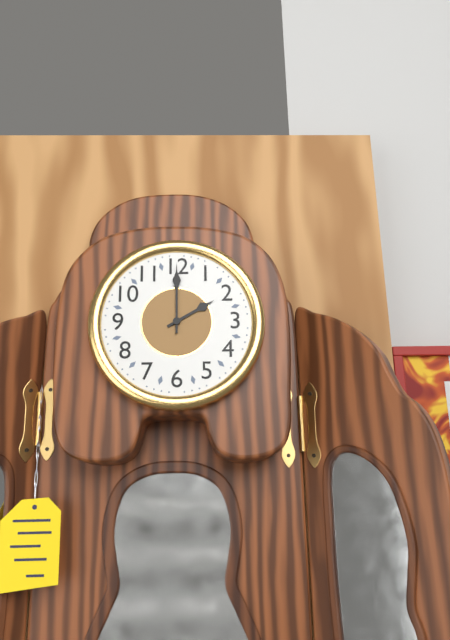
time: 2:00
